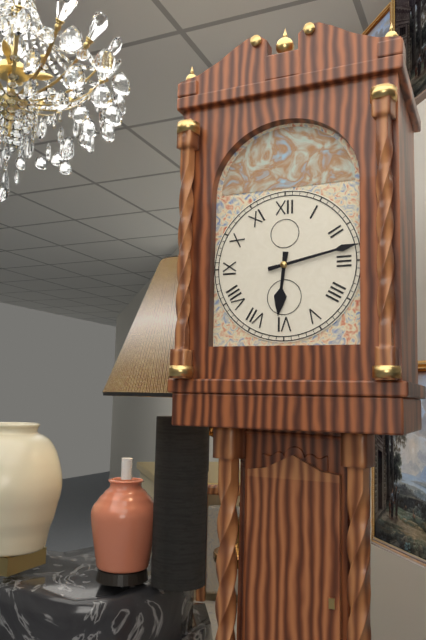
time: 6:13
